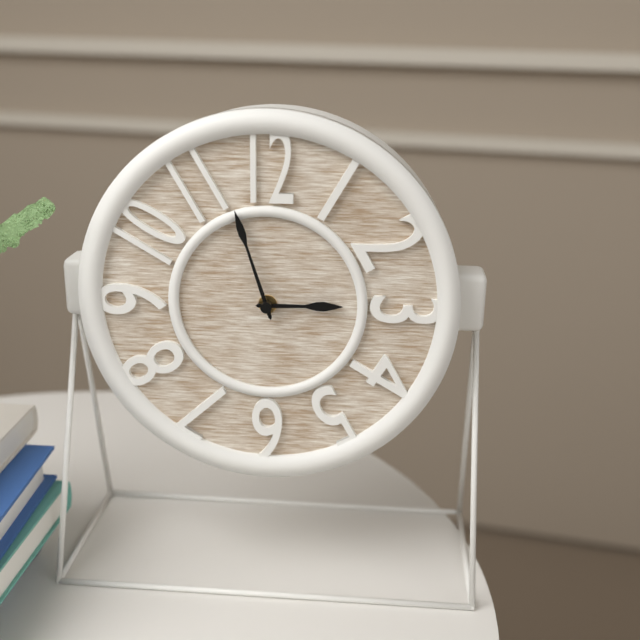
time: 2:57
